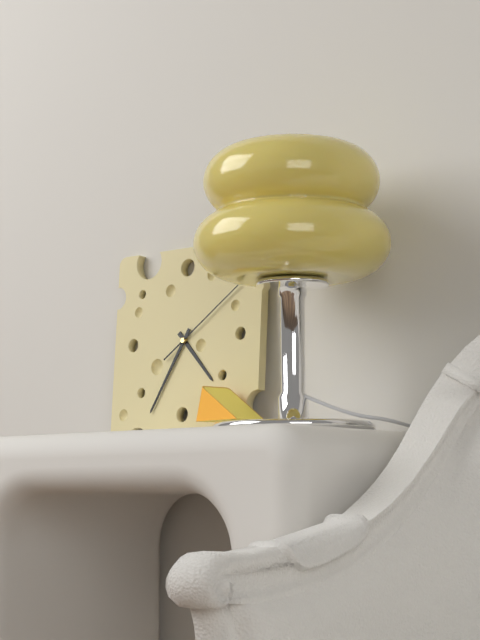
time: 4:35:09
